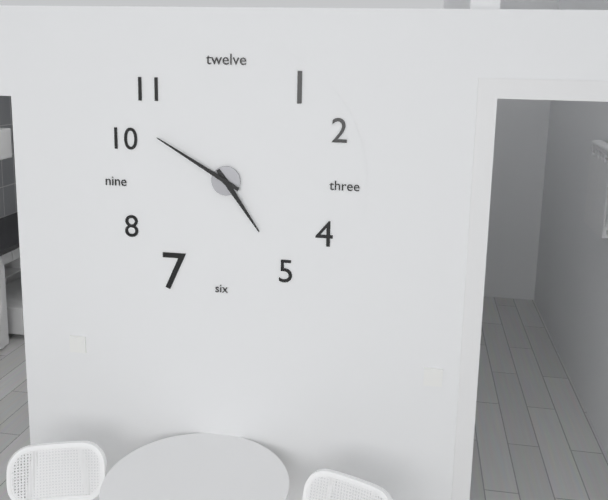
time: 4:50
